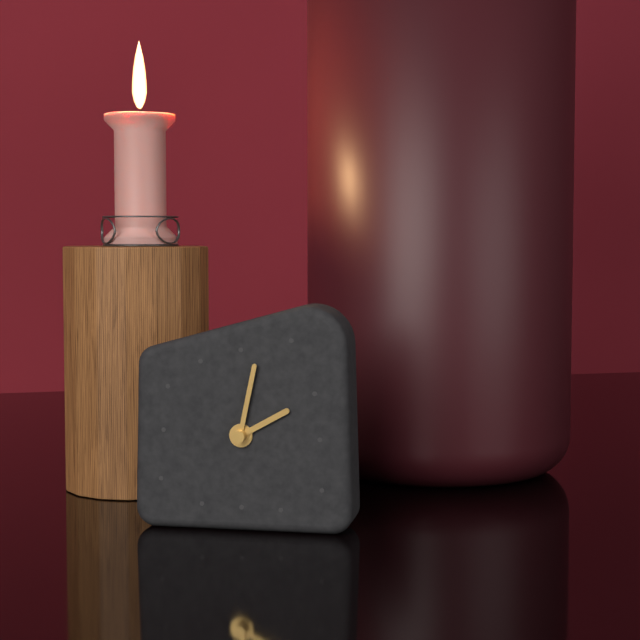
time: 2:02
